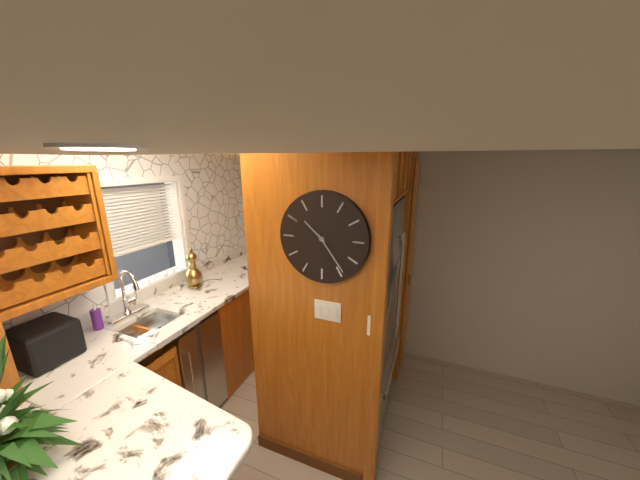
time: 10:24
